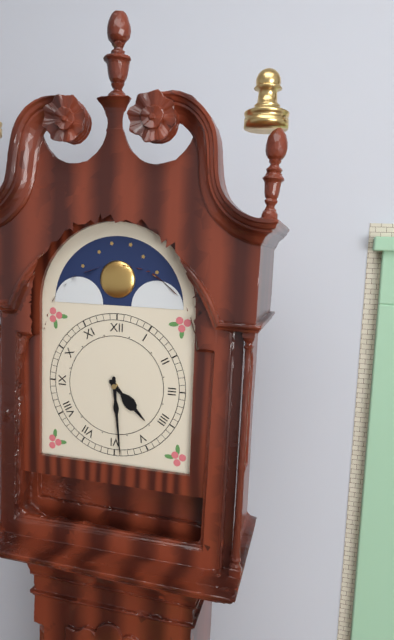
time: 4:29
